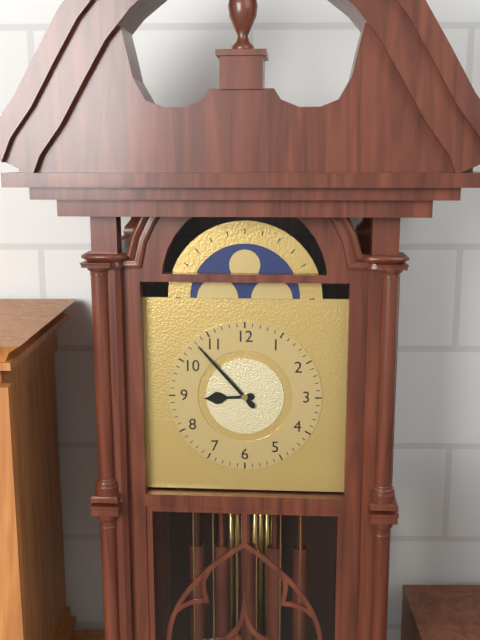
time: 8:53
